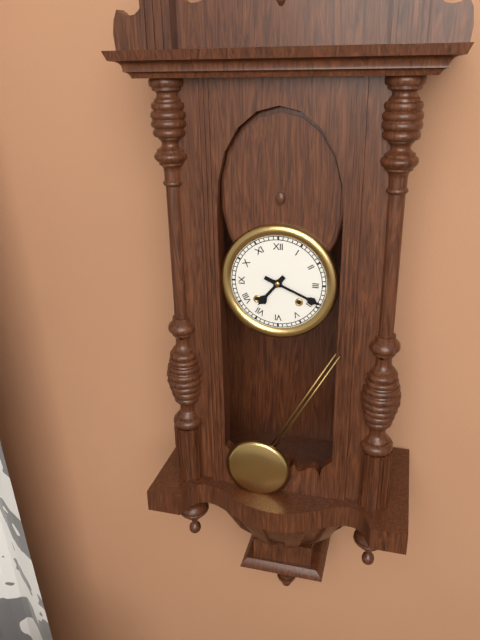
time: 7:19
